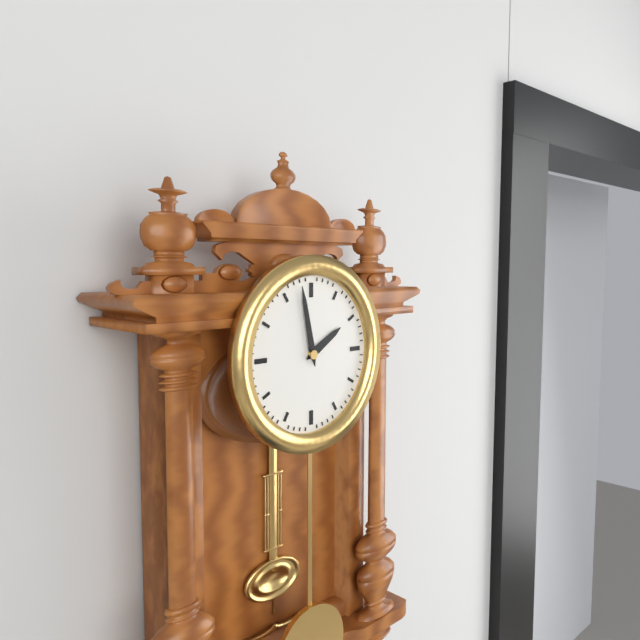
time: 1:58
